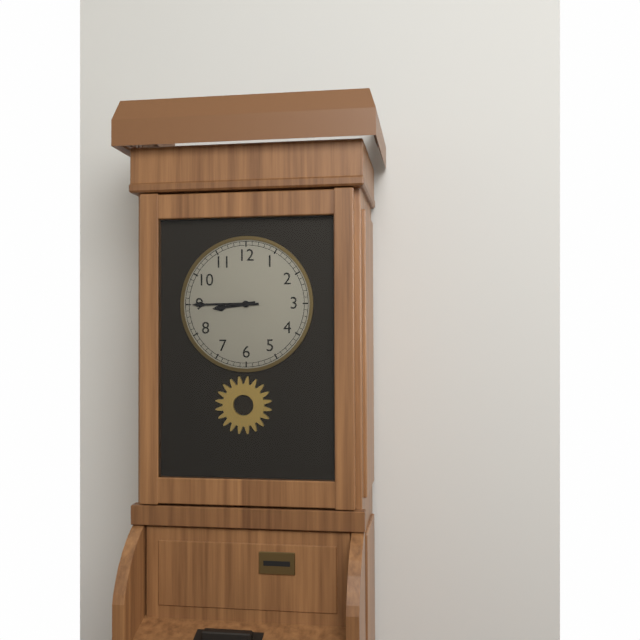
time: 8:45
